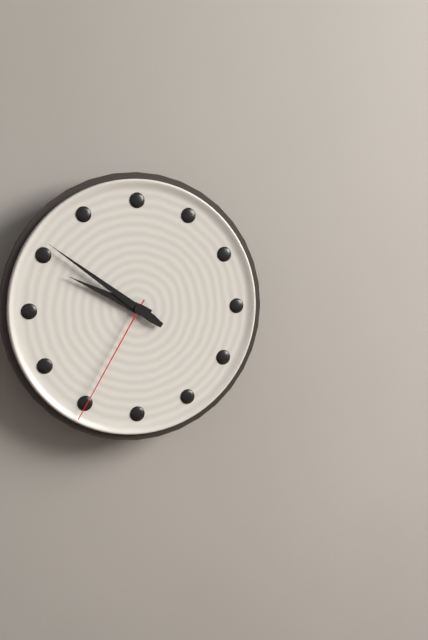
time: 9:51:35
